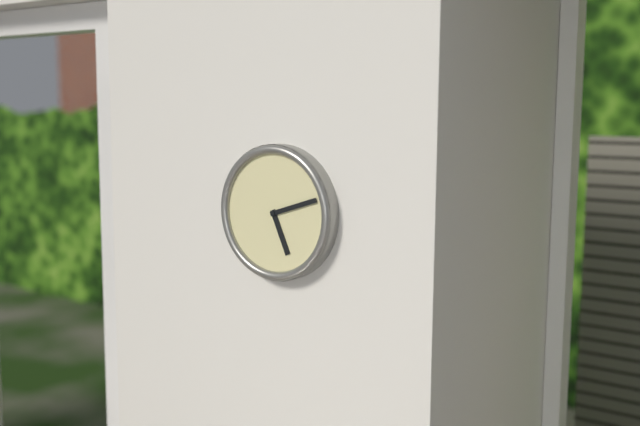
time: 5:12
